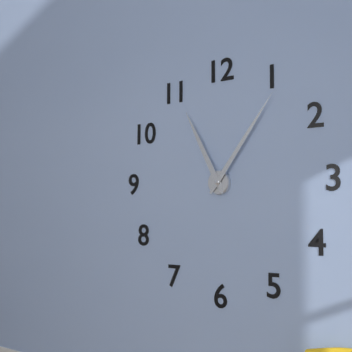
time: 11:06
